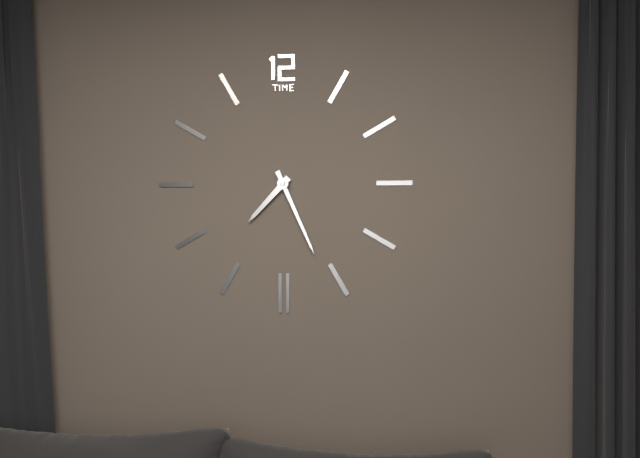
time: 7:26
